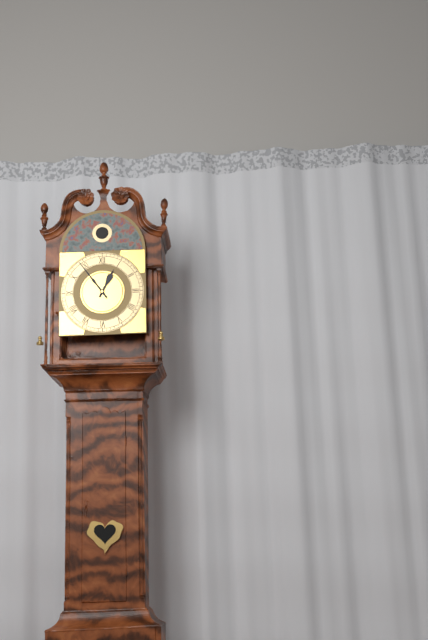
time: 12:54
